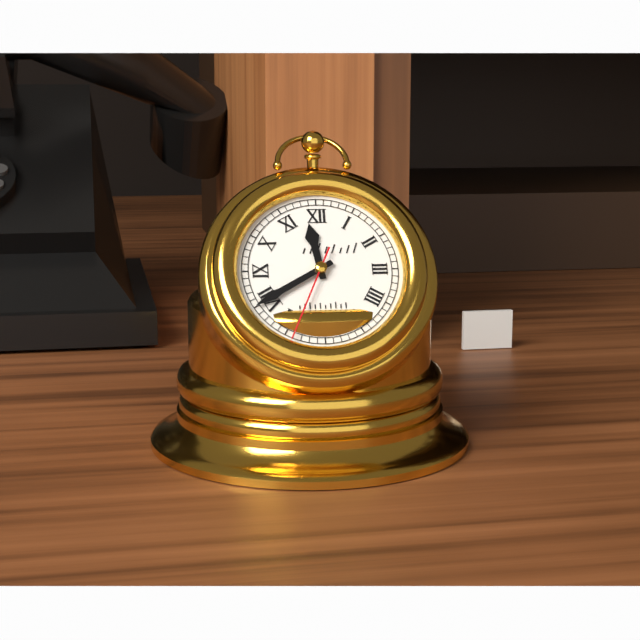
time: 11:40:34
